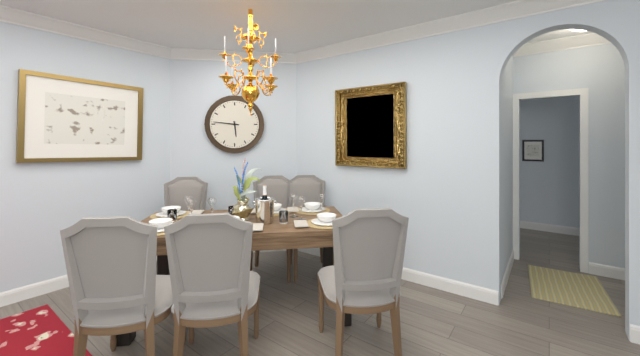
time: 5:46
